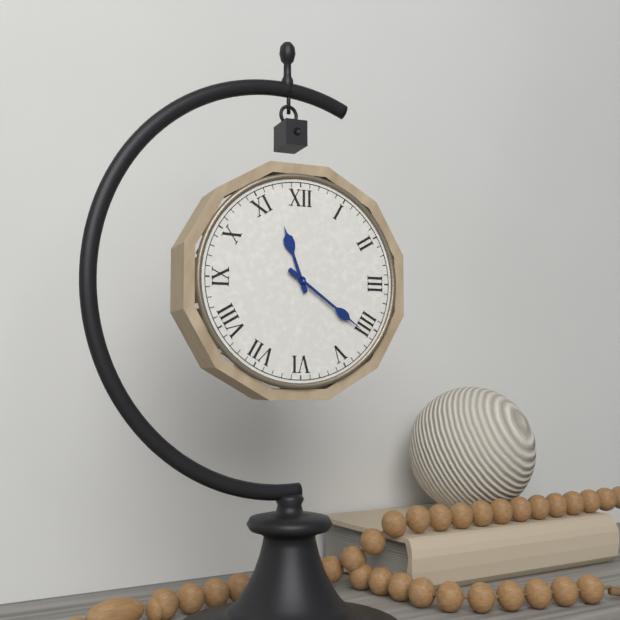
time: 11:21
